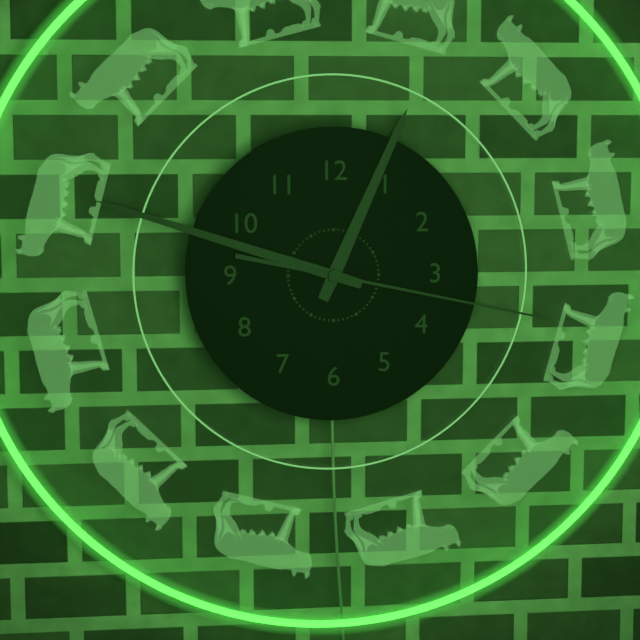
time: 12:48:17
